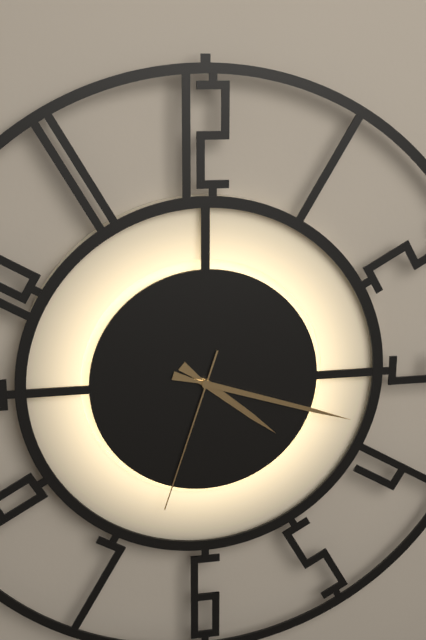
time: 4:18:33
